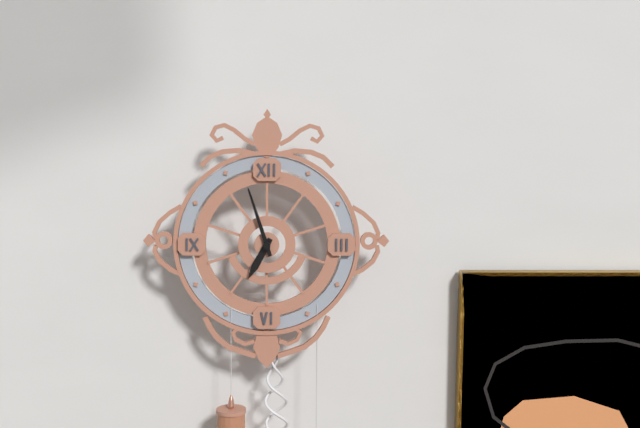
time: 6:57
